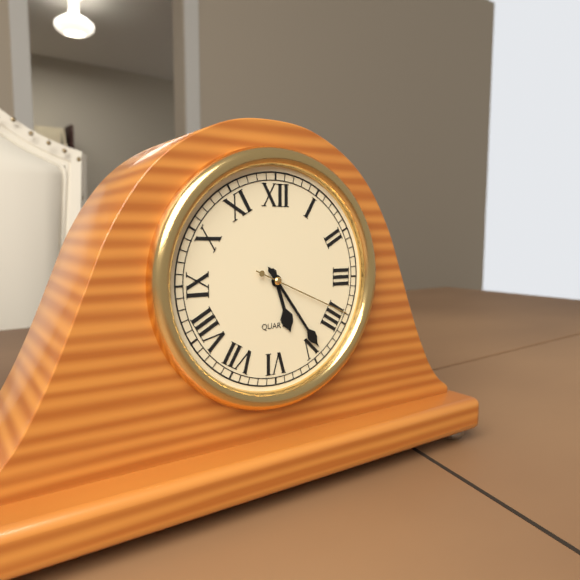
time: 5:24:19
